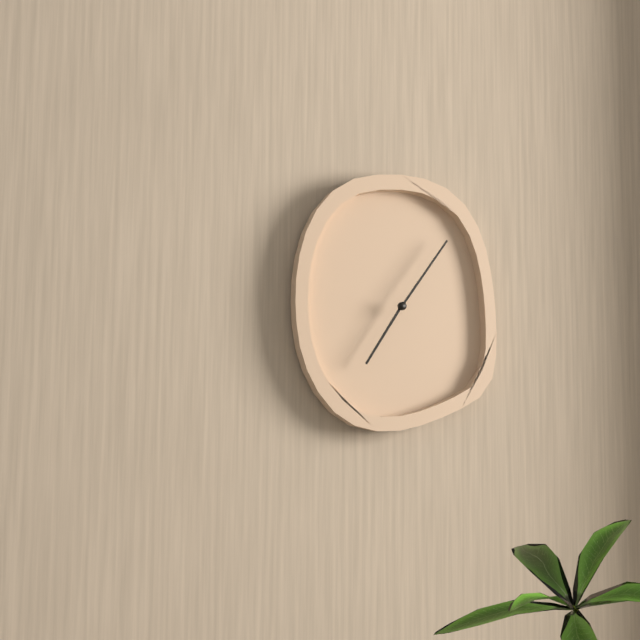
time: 7:06
